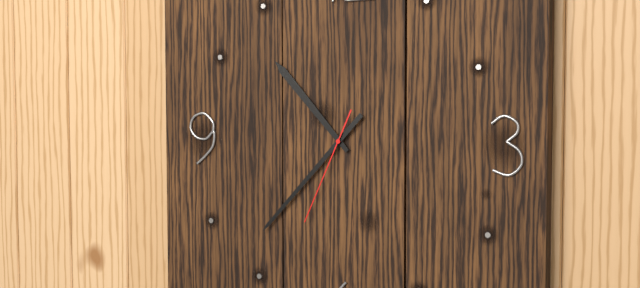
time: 10:37:34
